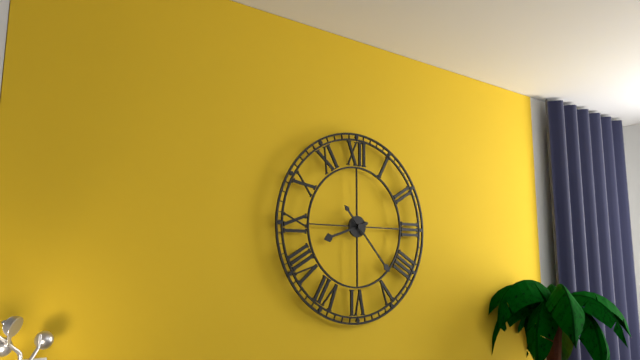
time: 8:23
